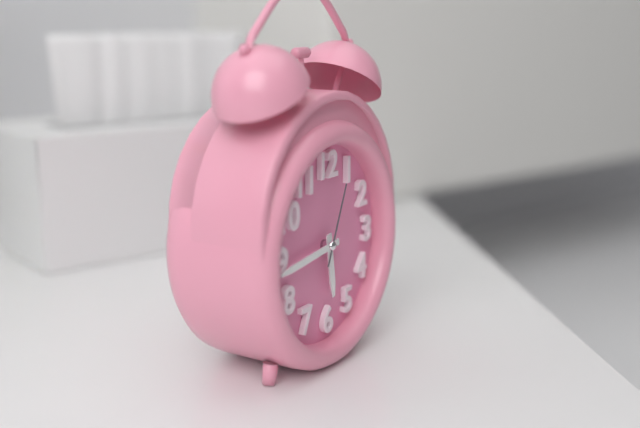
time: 5:44:04
